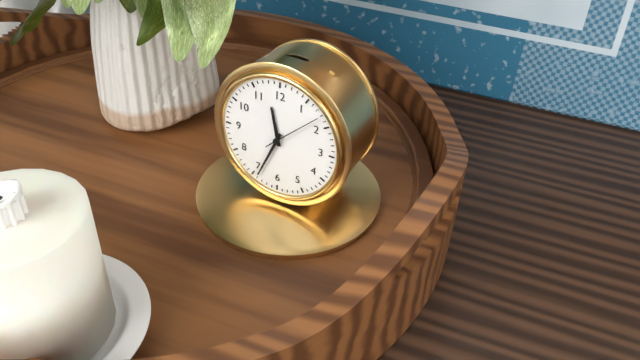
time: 11:34:08
